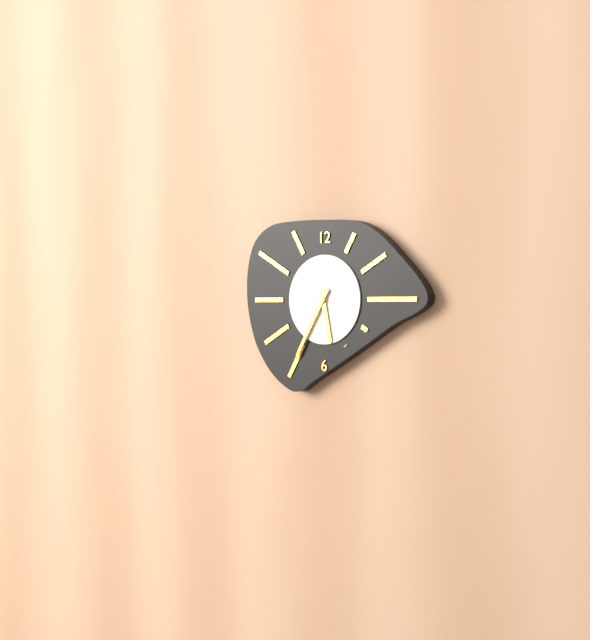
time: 5:35
